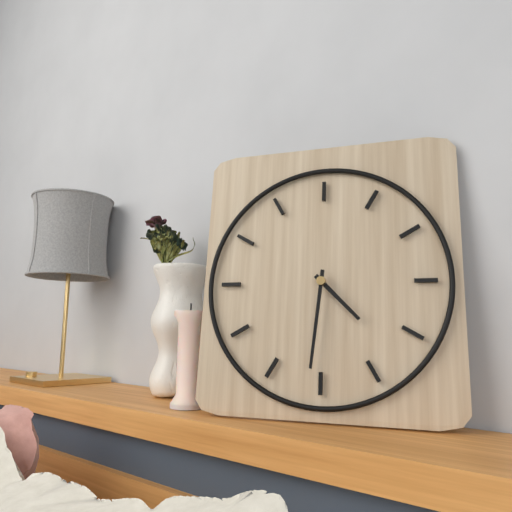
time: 4:31
